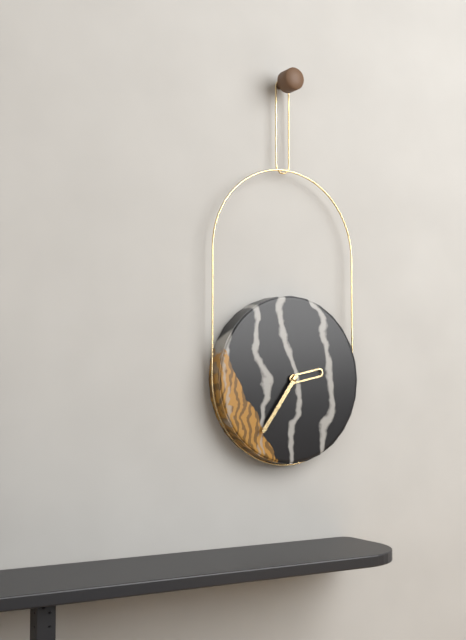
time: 2:36
